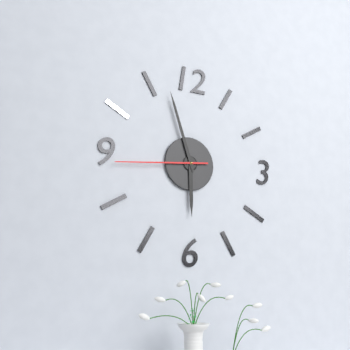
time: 5:57:44
